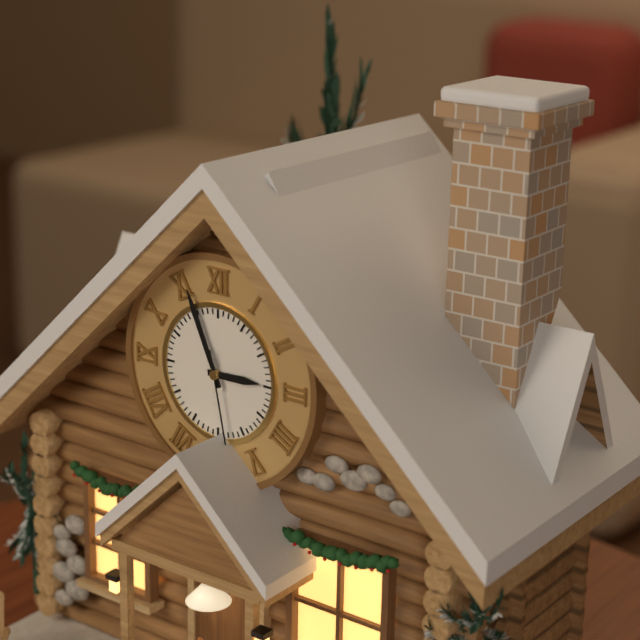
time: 2:56:28
